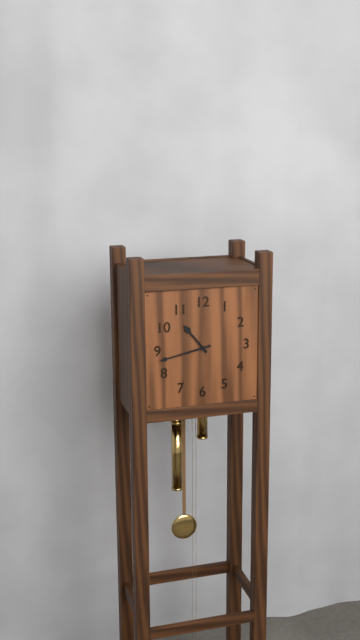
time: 10:43
